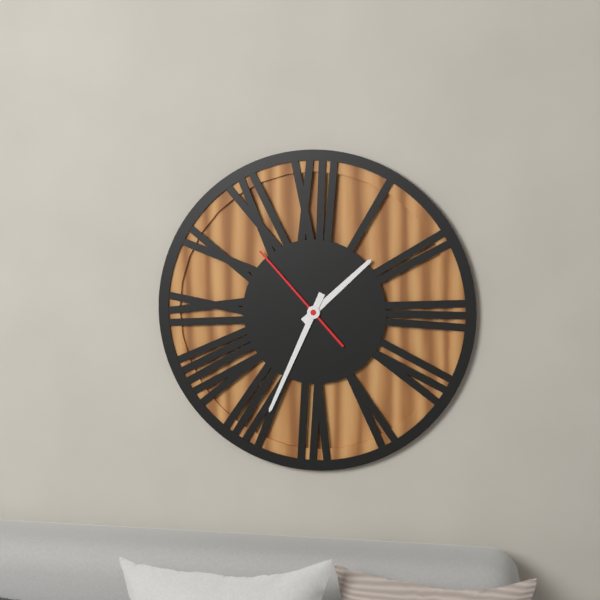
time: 1:34:53
